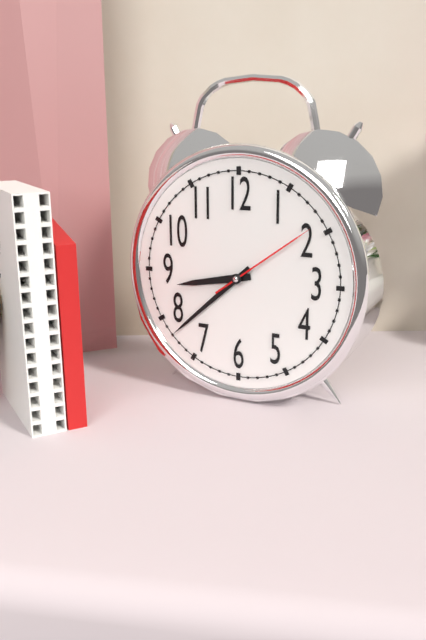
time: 8:38:09
